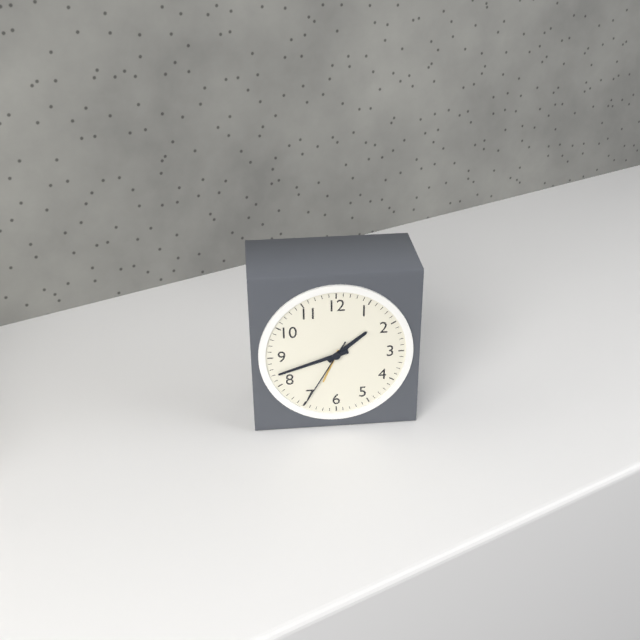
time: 1:42:35
